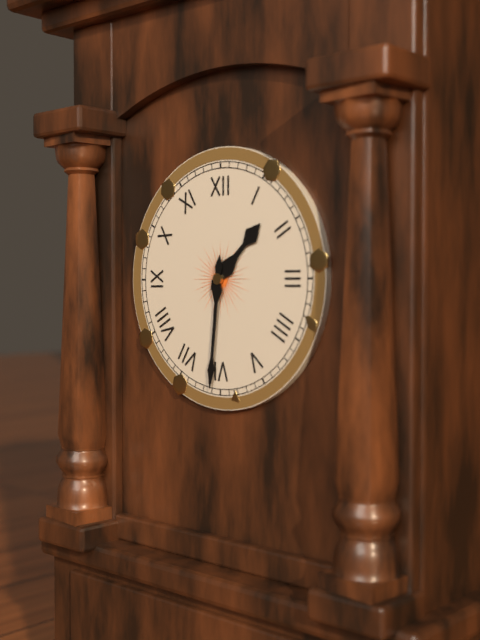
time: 1:31
